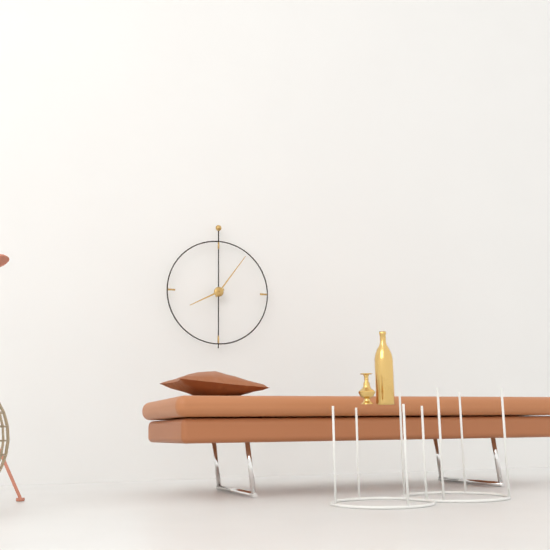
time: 8:06
